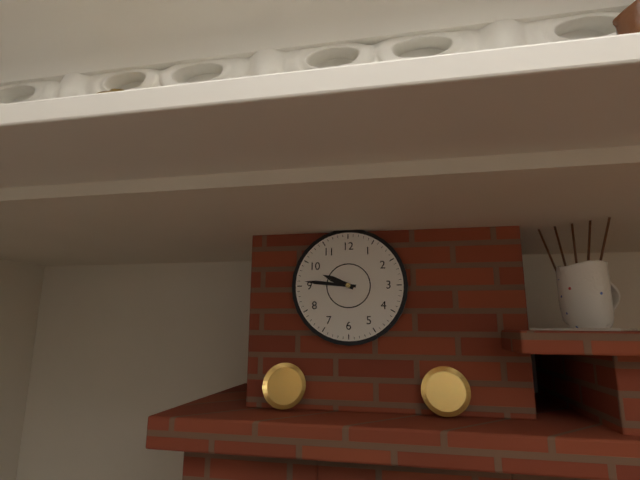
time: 9:46
